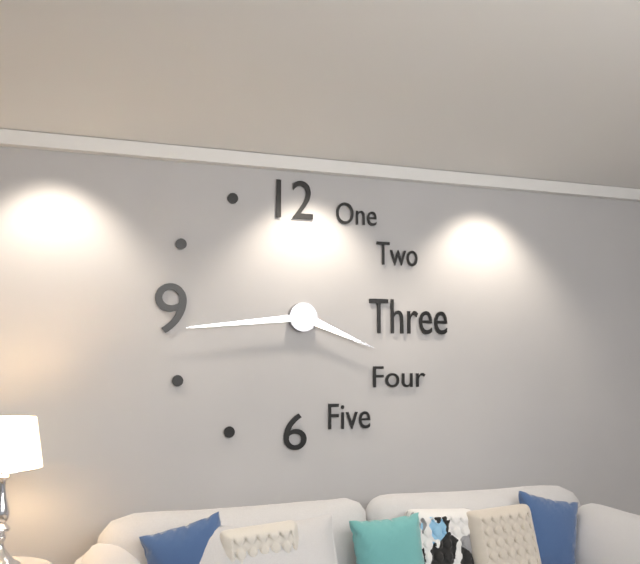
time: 3:44
